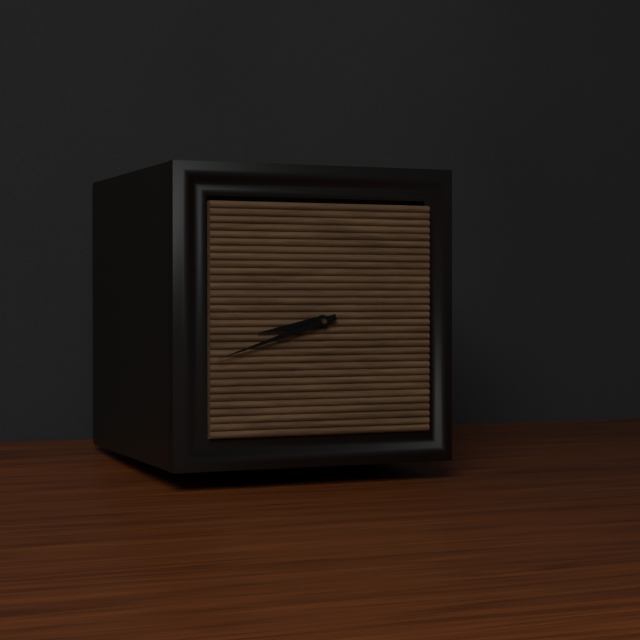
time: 8:42
